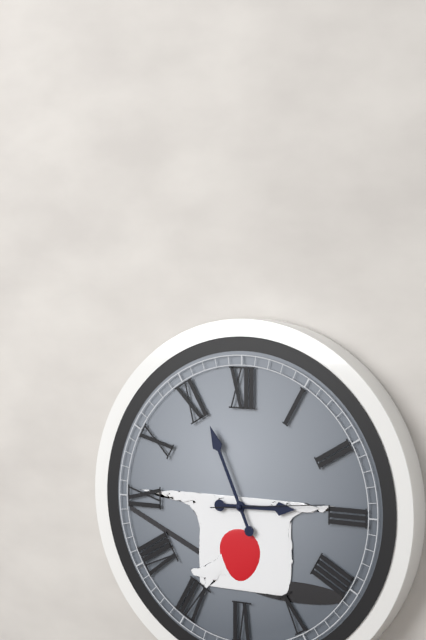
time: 2:56:14
